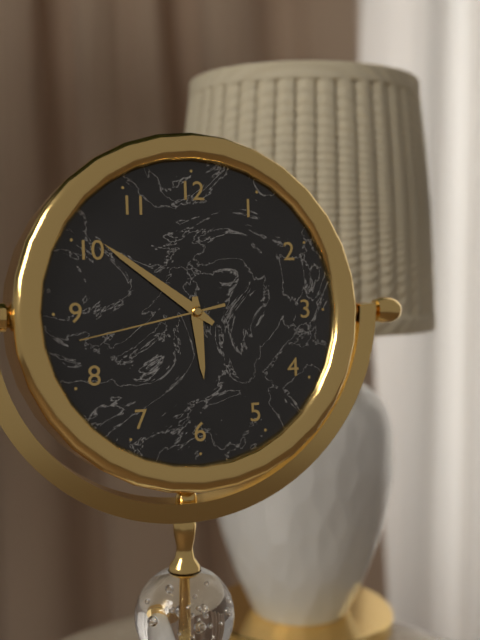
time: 5:51:43
